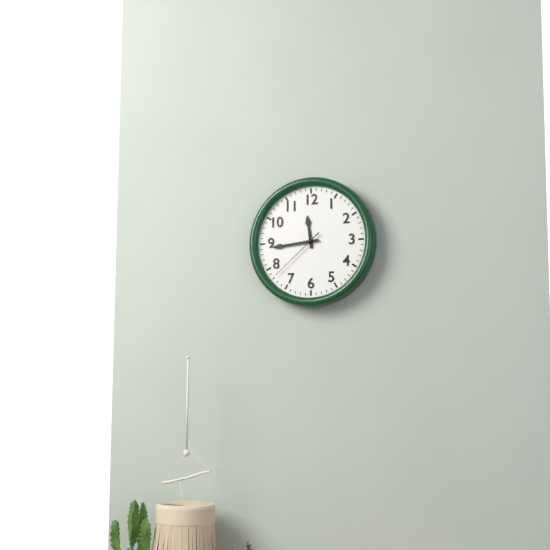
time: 11:44:38
